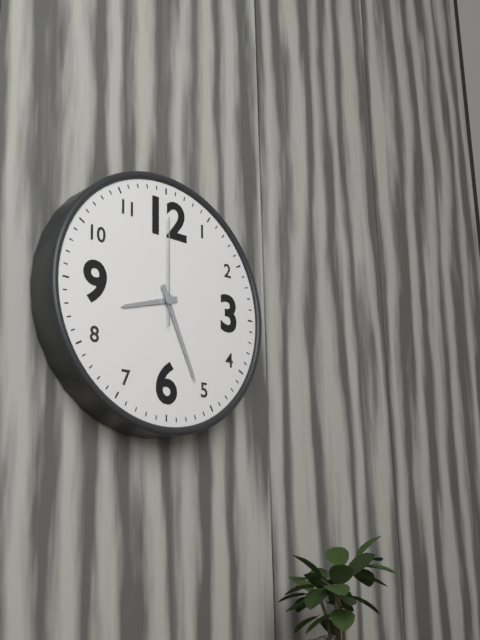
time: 8:26:00
